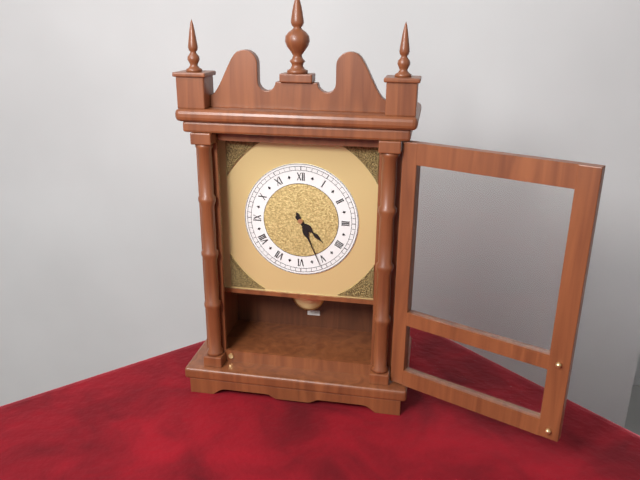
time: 4:26
